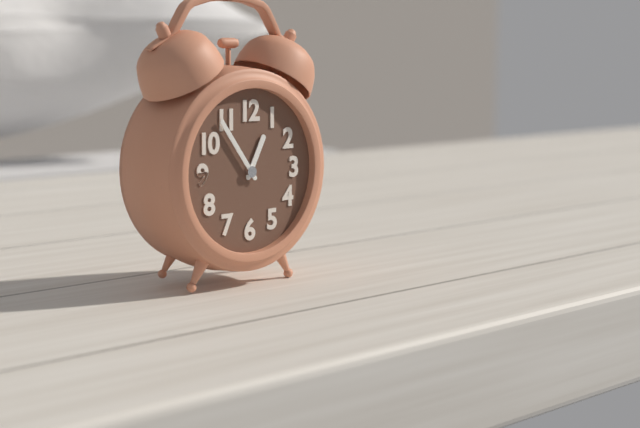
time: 12:54
